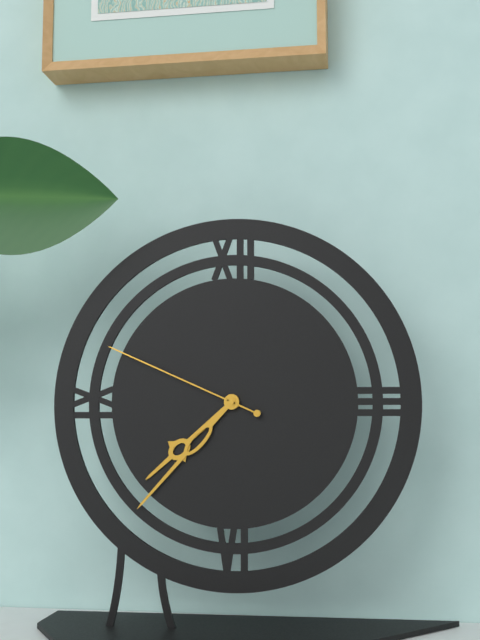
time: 7:37:49
